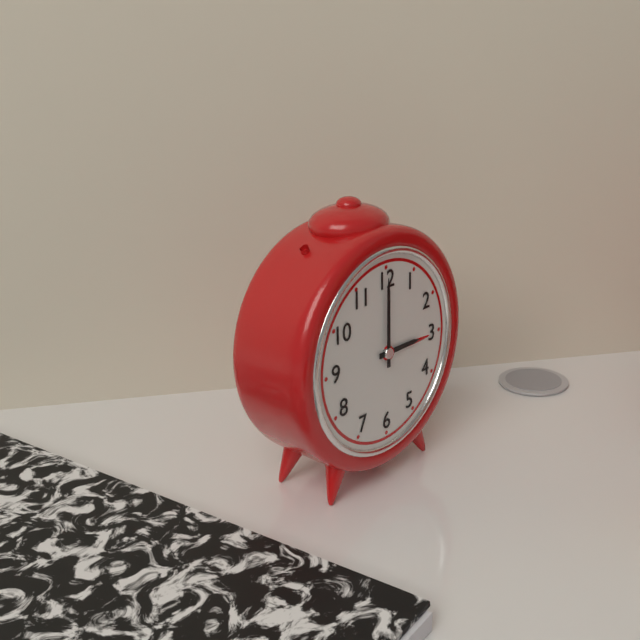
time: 3:00
